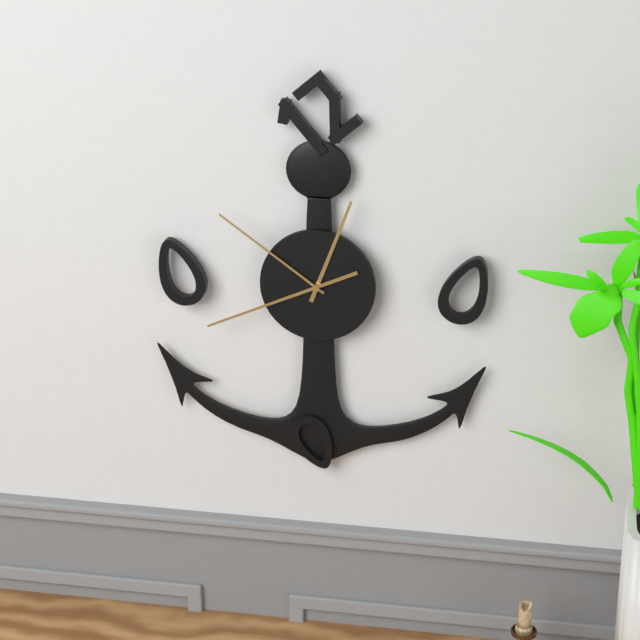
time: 12:41:51
